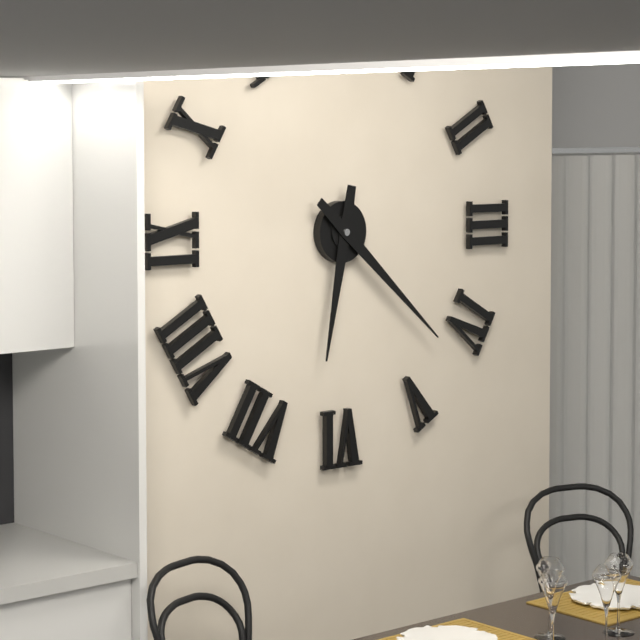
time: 6:22
